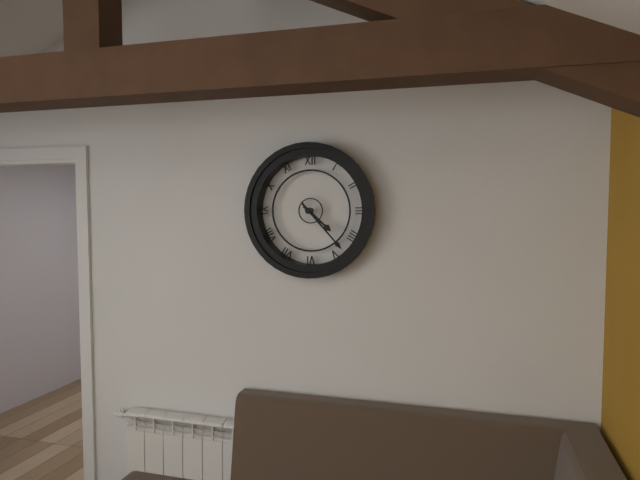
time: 4:23
